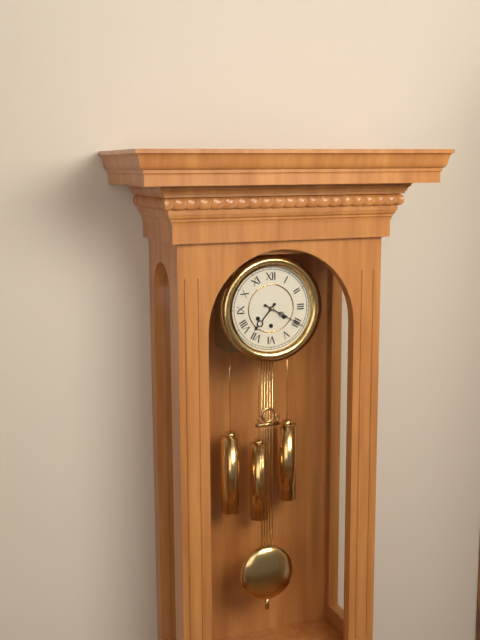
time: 7:20
